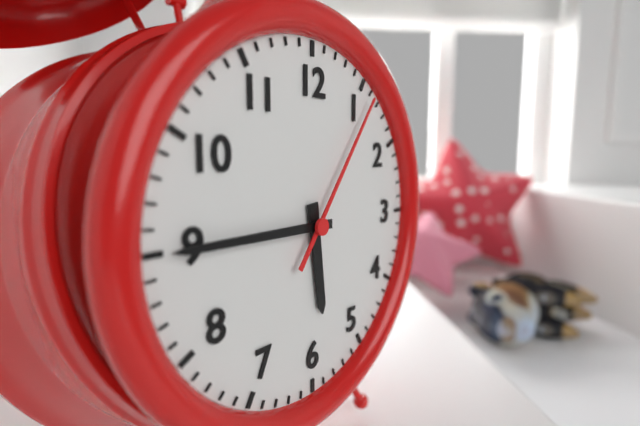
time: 5:45:06
